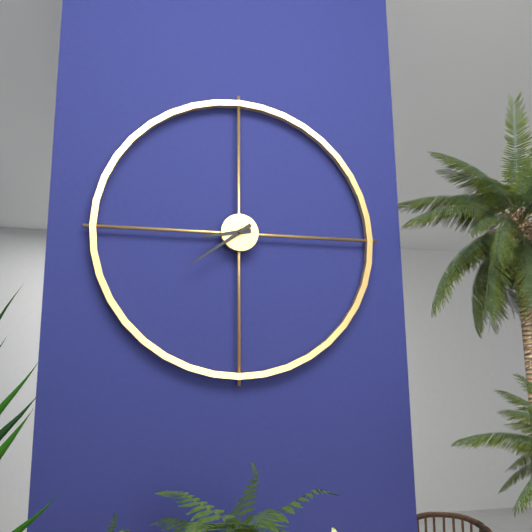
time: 8:39
